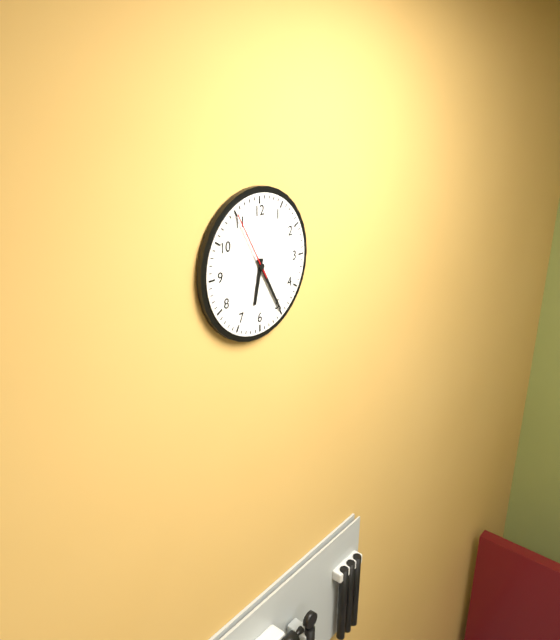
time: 6:25:55
